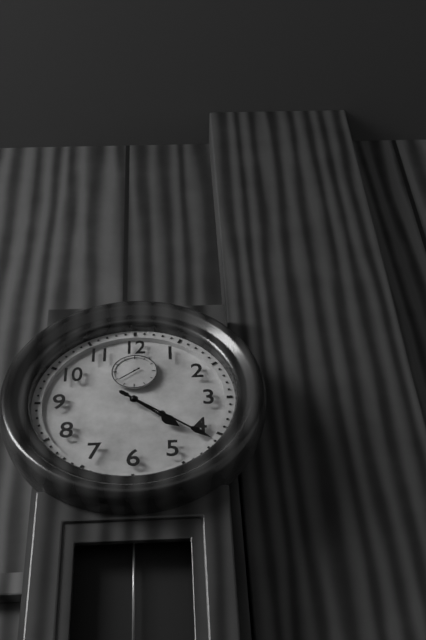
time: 4:21
